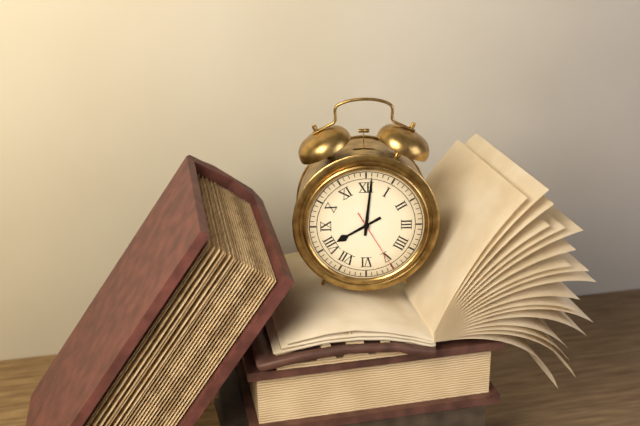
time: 8:01:25
